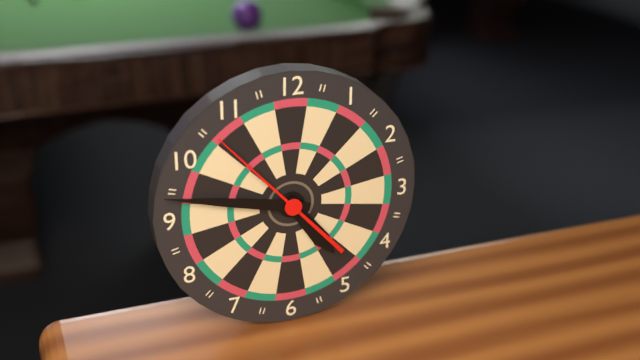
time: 4:47:53
